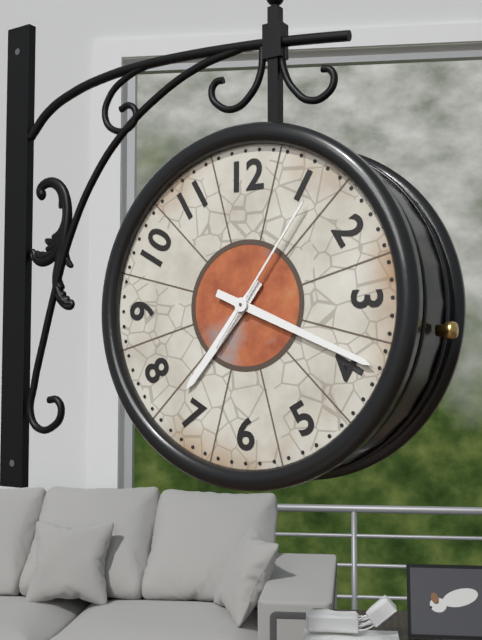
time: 7:19:06
